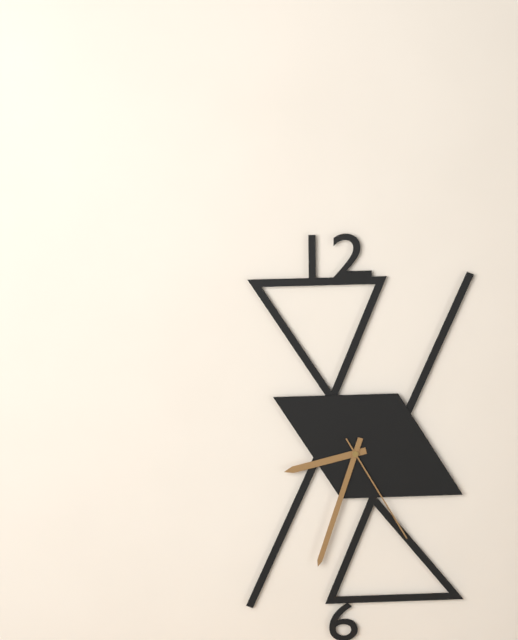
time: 8:33:25
